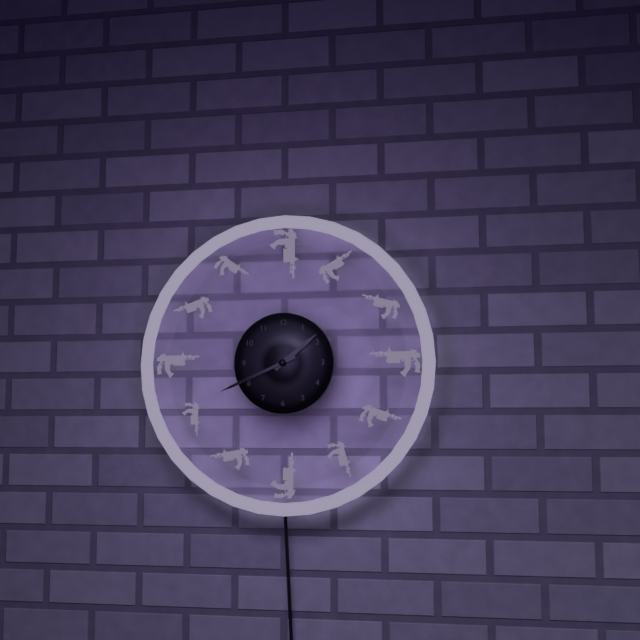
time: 1:41
